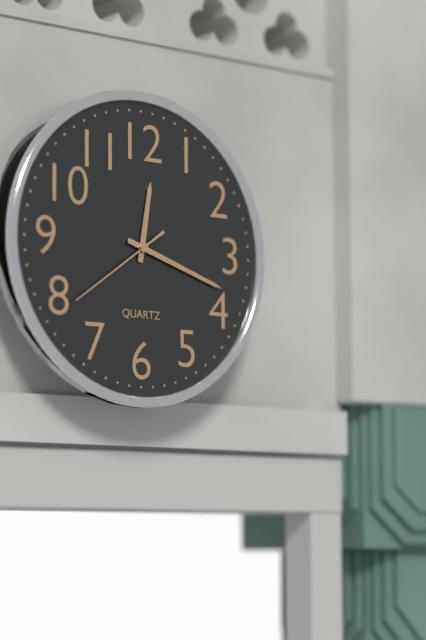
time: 12:18:39
